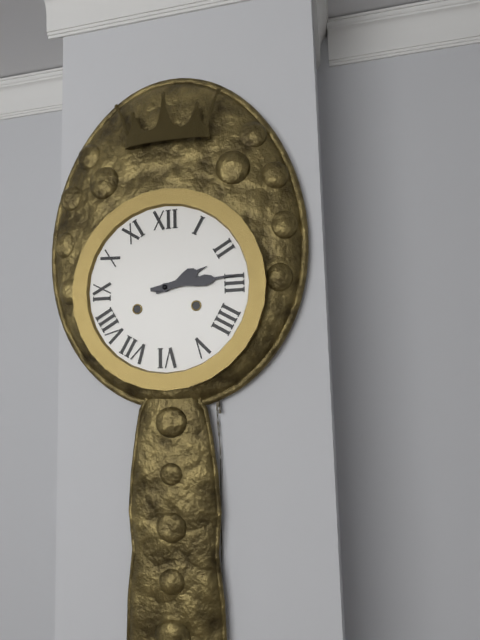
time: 2:14
